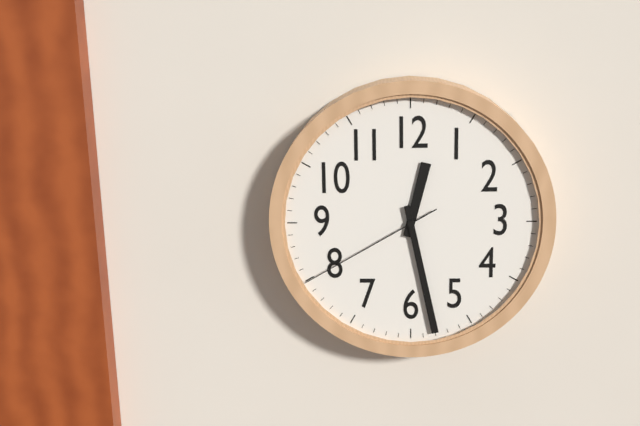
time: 12:28:40
